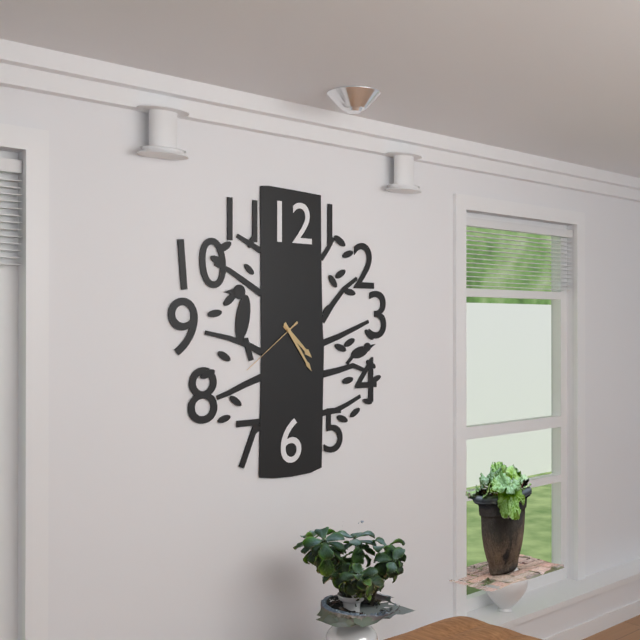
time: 4:24:39
